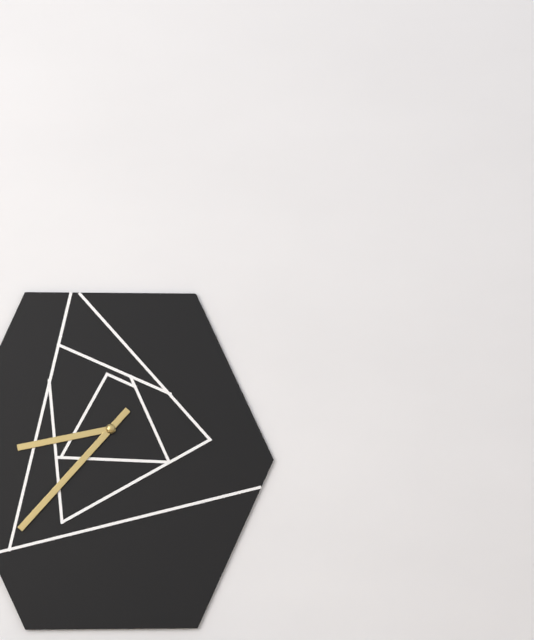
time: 8:37
